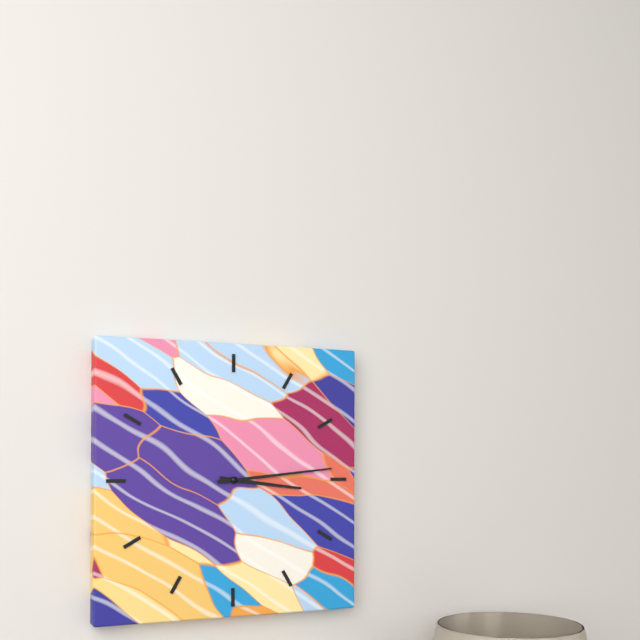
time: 3:14
